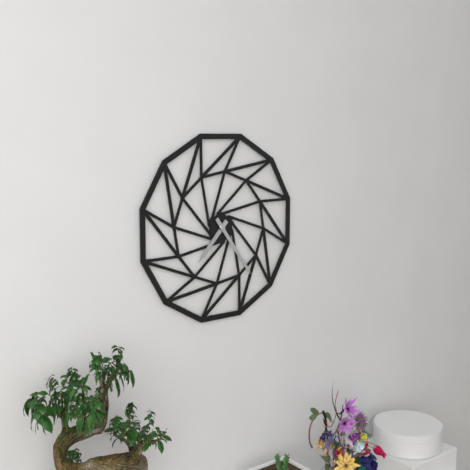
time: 7:24
